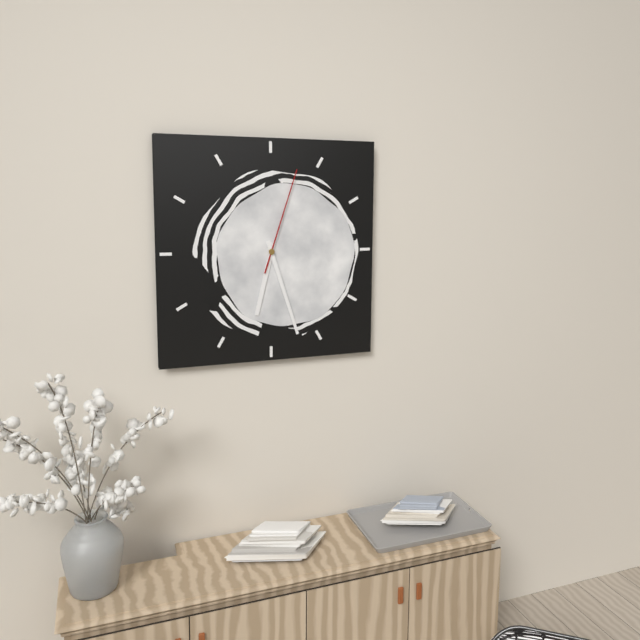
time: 6:27:03
